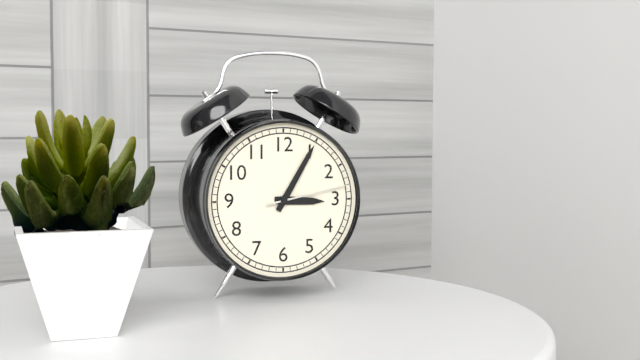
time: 3:05:13
